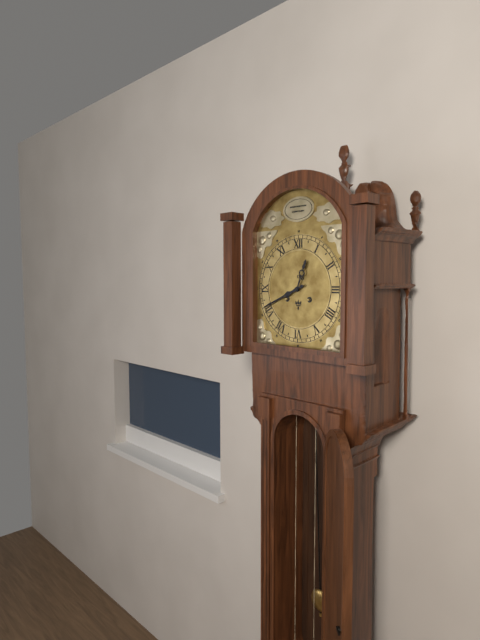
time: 12:41
